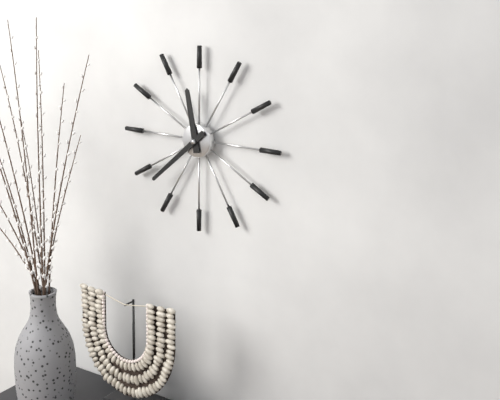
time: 11:38
